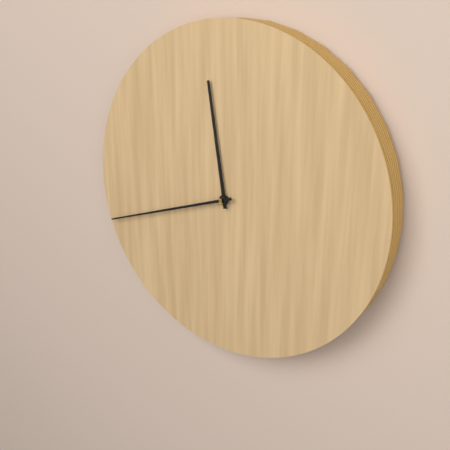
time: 11:42
